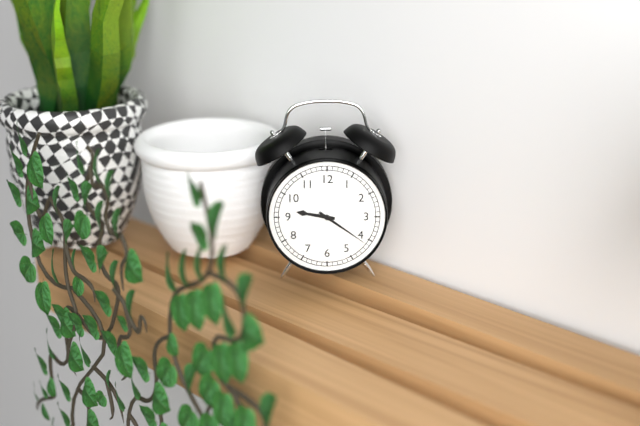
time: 9:21
